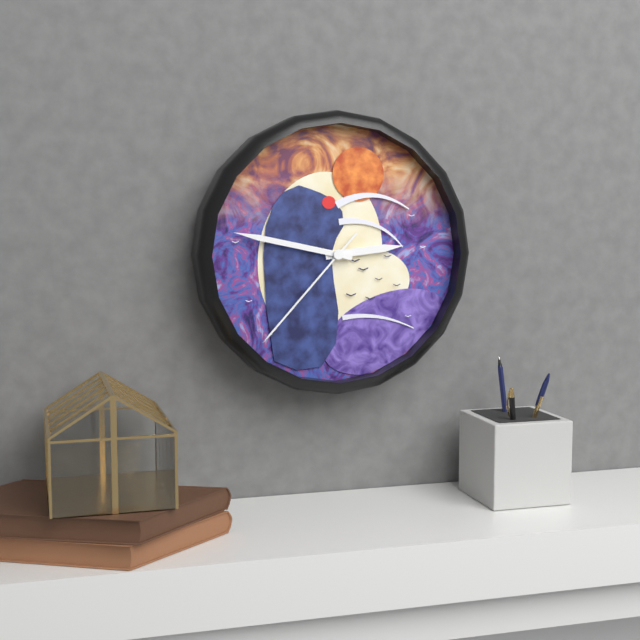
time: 2:47:37
